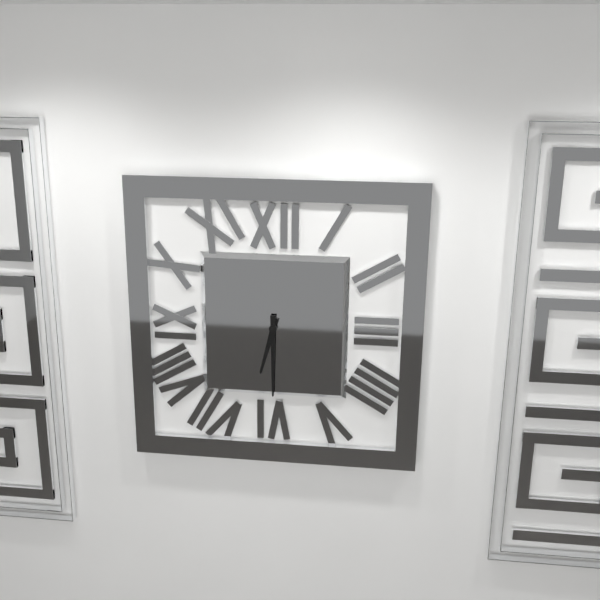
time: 6:30
